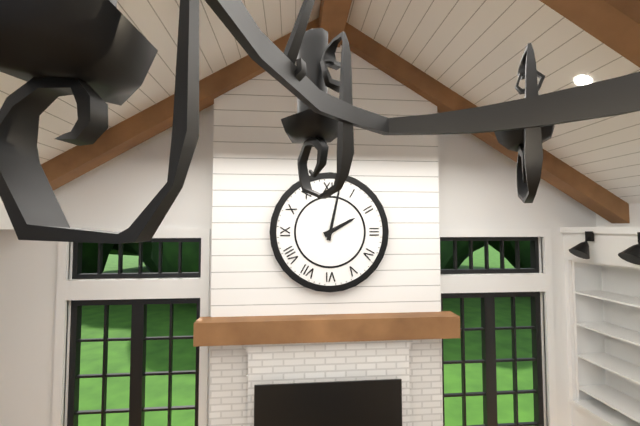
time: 2:02
